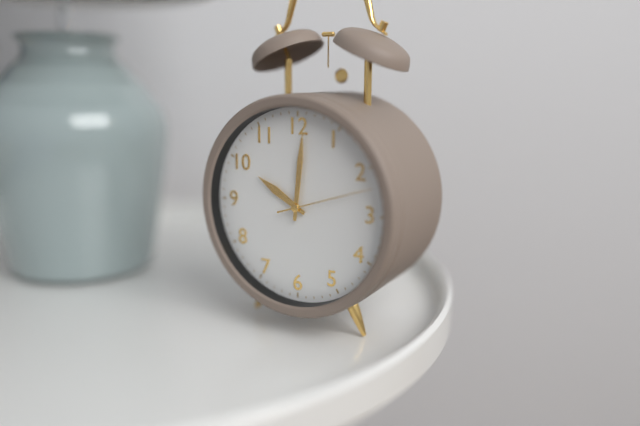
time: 10:01:12
